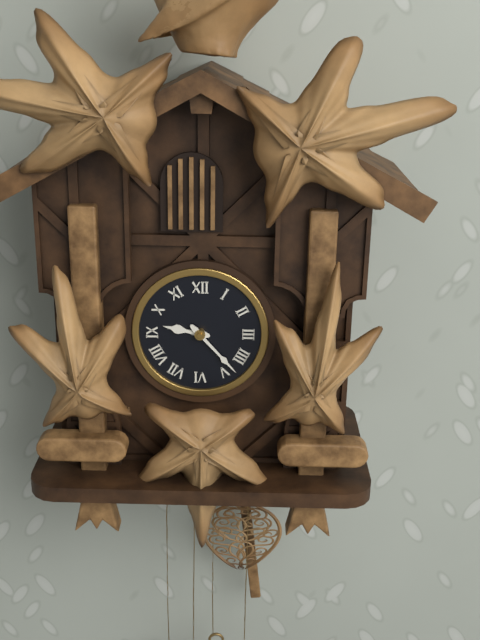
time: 9:23
